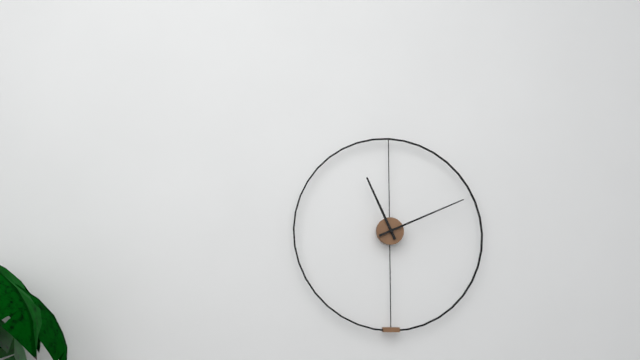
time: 11:11
